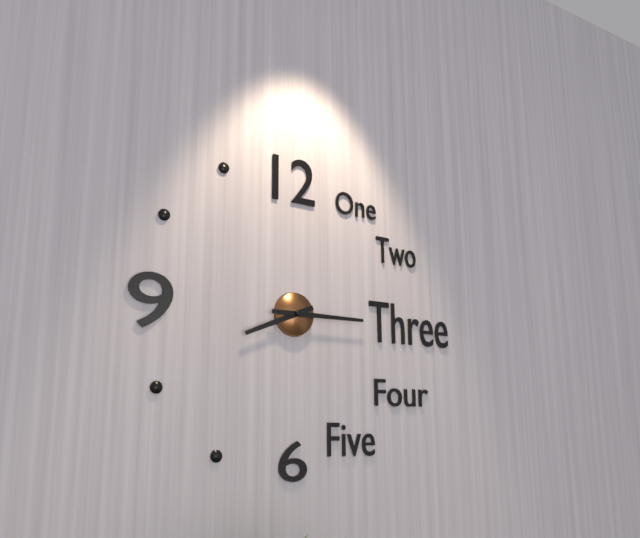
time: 8:15
